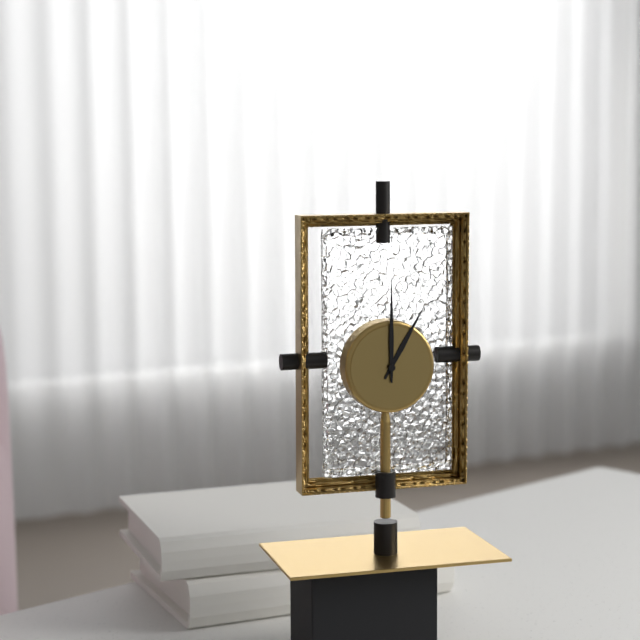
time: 1:00
